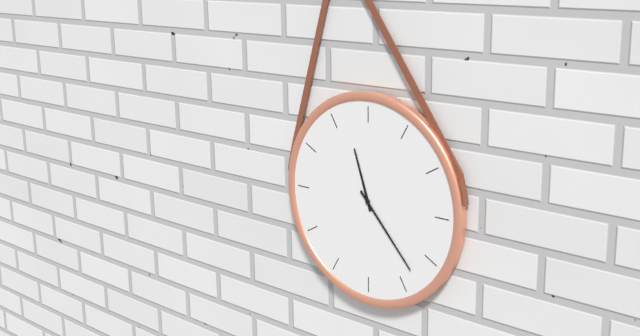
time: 11:23
